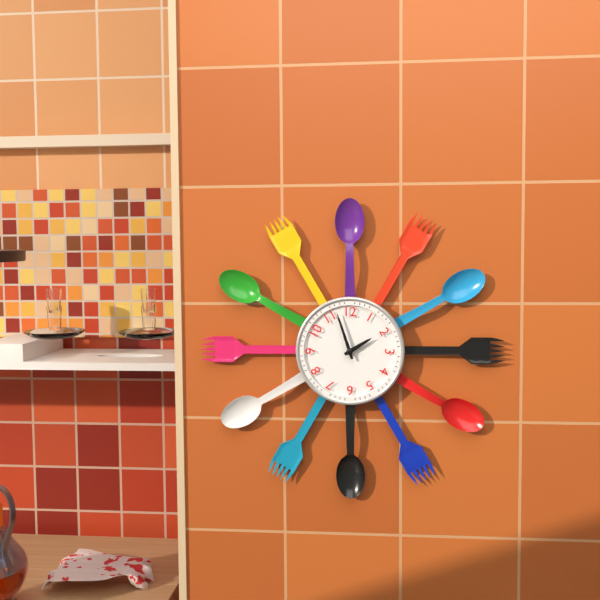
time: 1:57
